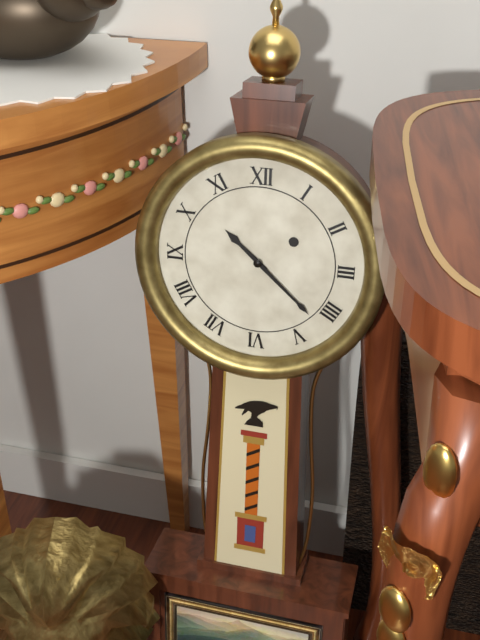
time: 10:22
